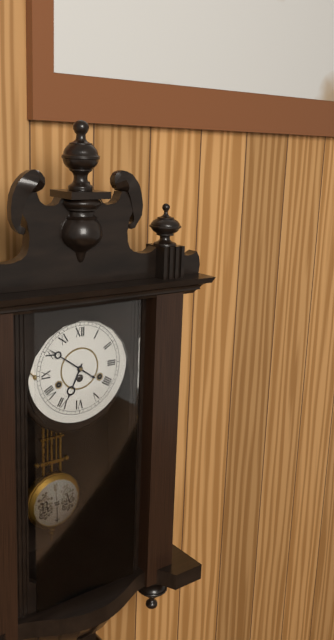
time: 6:51
